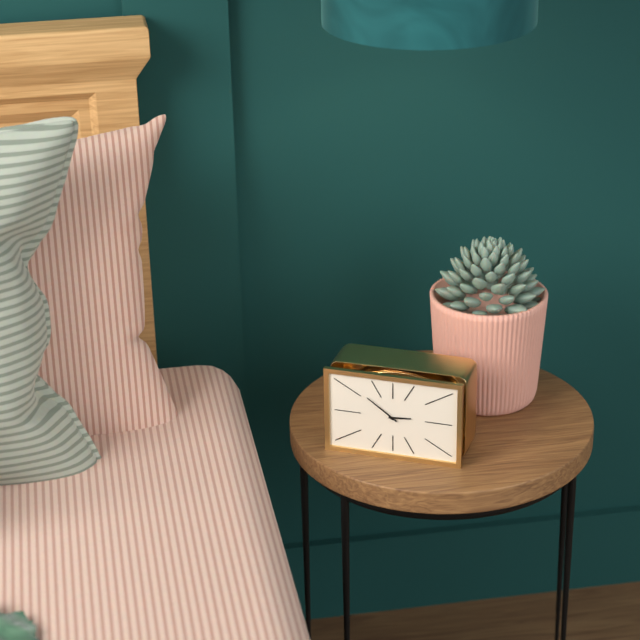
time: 2:51
